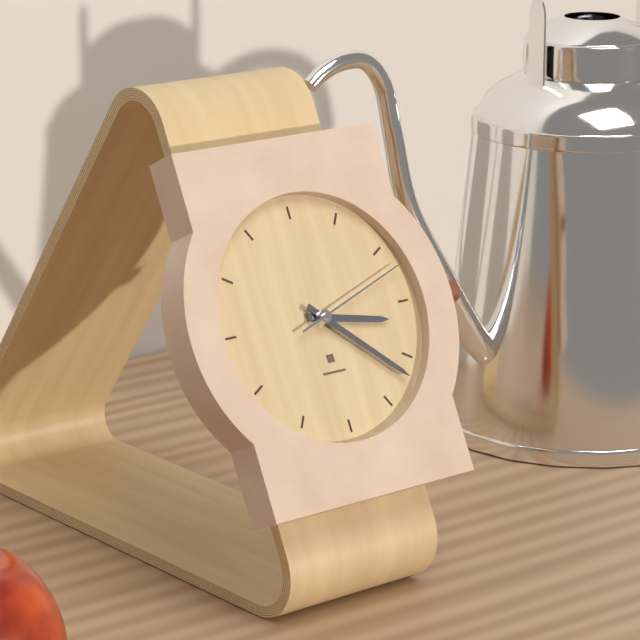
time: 3:22:12
